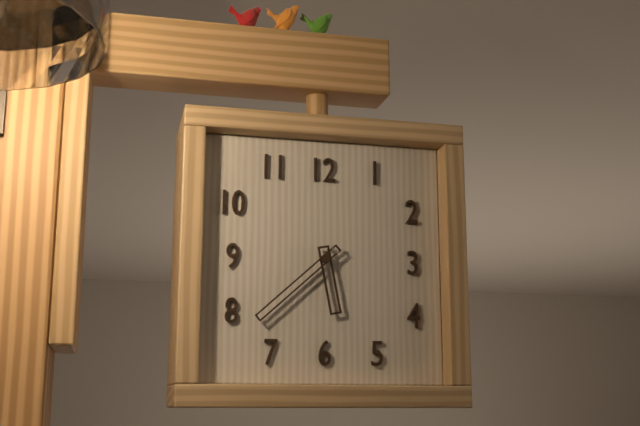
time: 5:38
